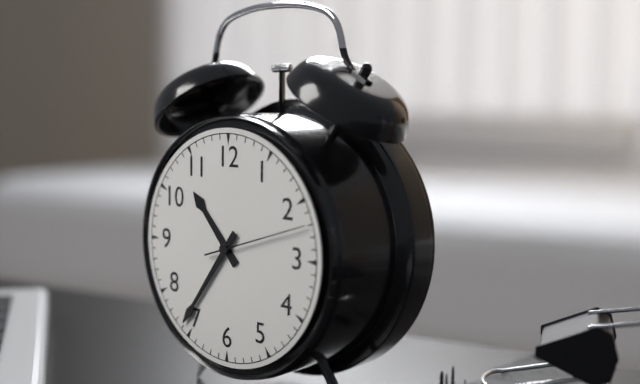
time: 10:36:12
